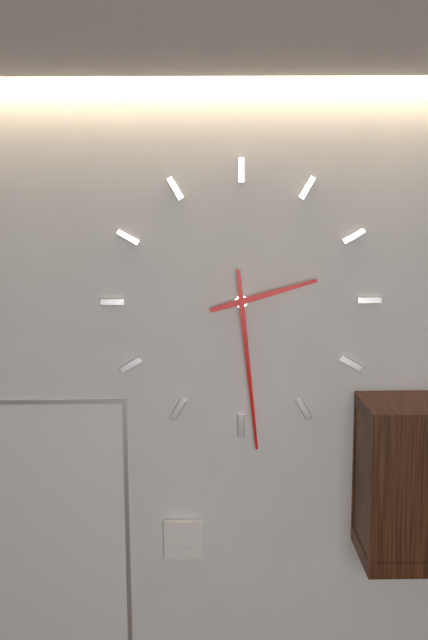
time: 2:29
